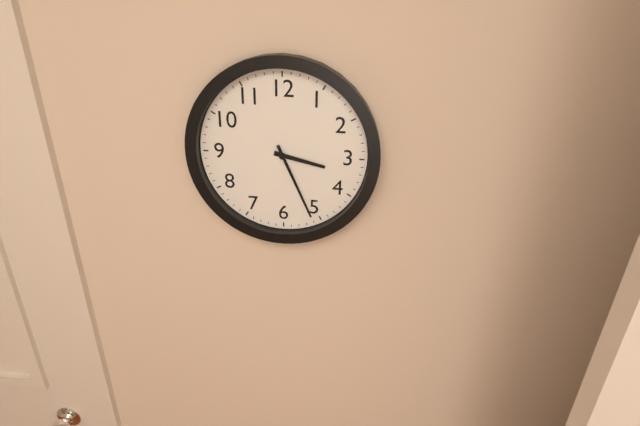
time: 3:26
